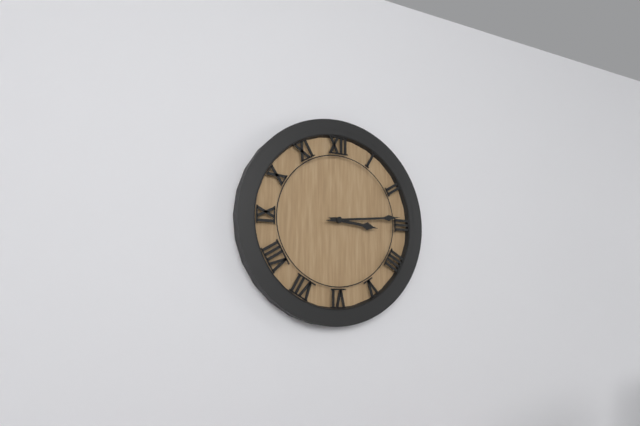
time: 3:14
